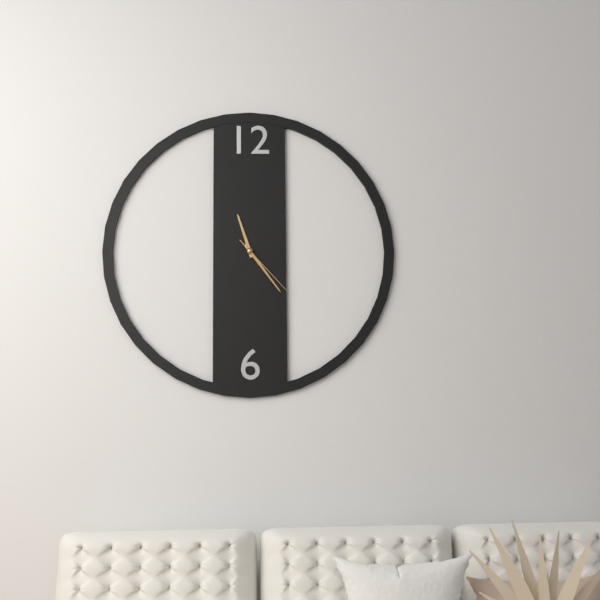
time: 11:24:23
